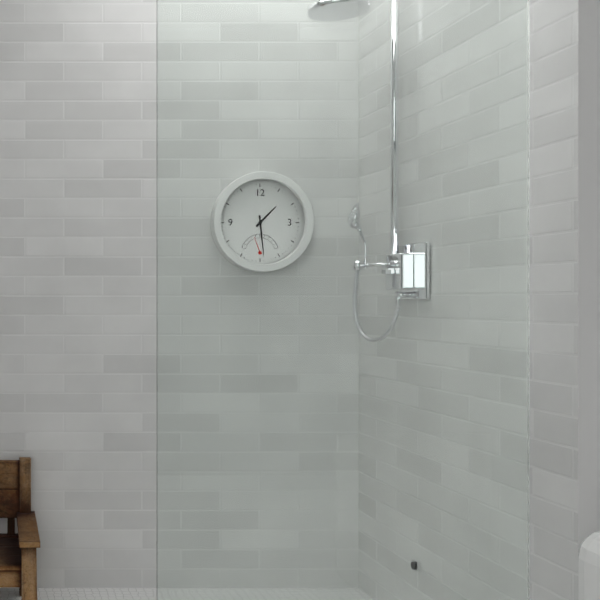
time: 1:29
